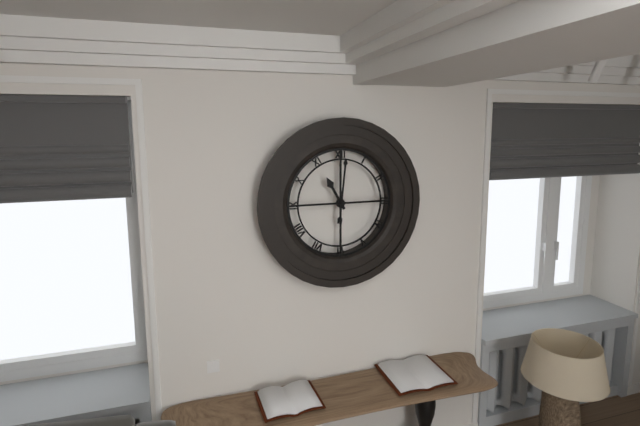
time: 11:01
